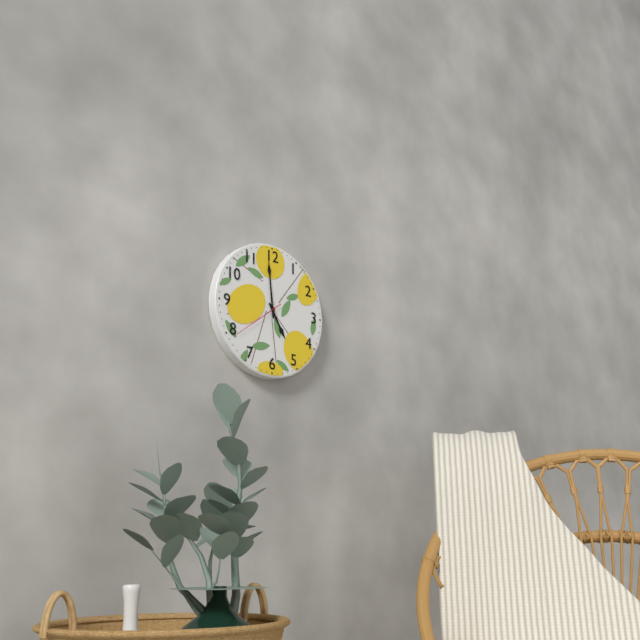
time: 4:59:39
